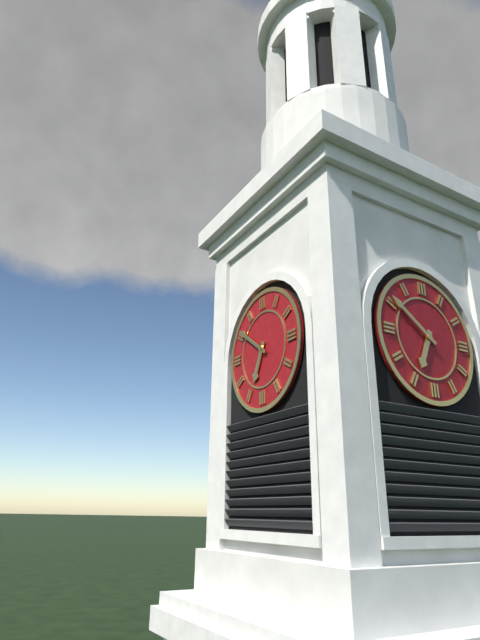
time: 6:51
